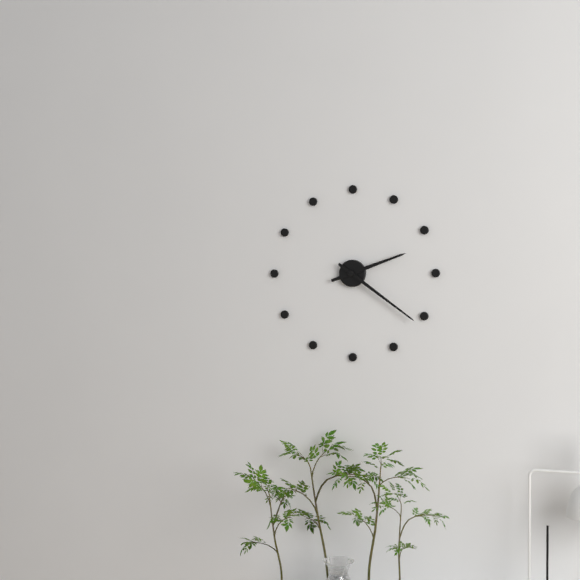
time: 2:21
